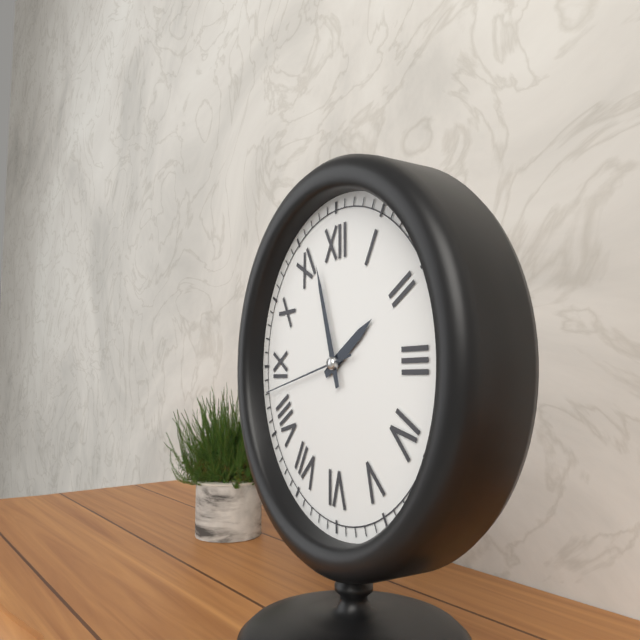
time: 1:57:43
